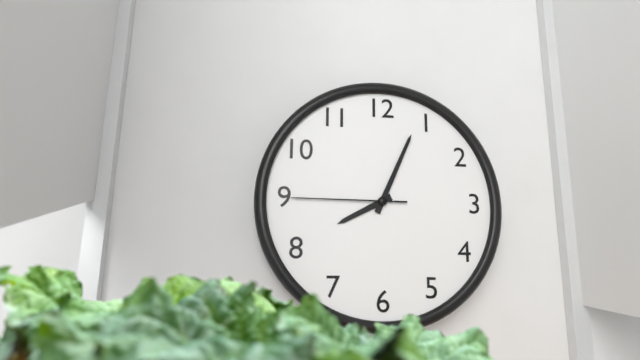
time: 8:04:45
